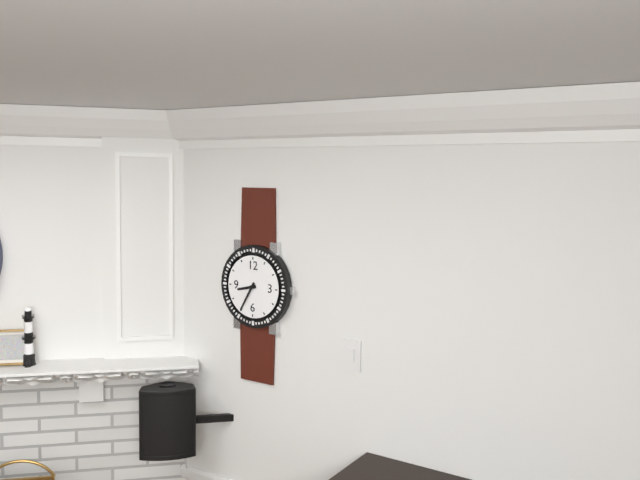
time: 8:35
